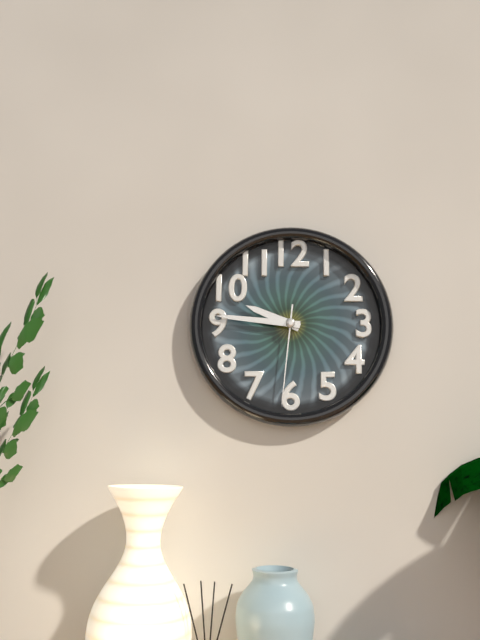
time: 9:46:31
